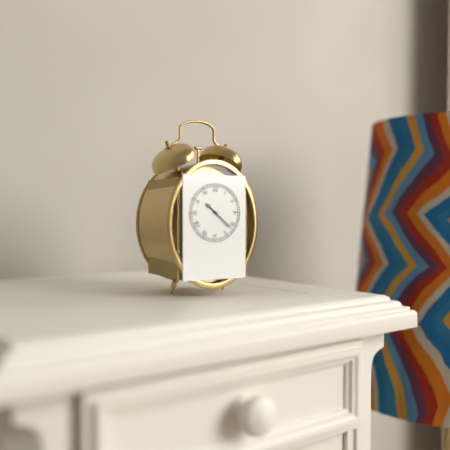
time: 10:22
